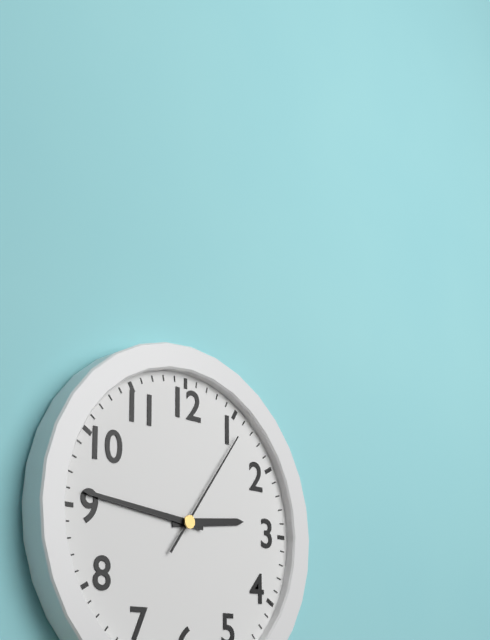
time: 2:46:06
